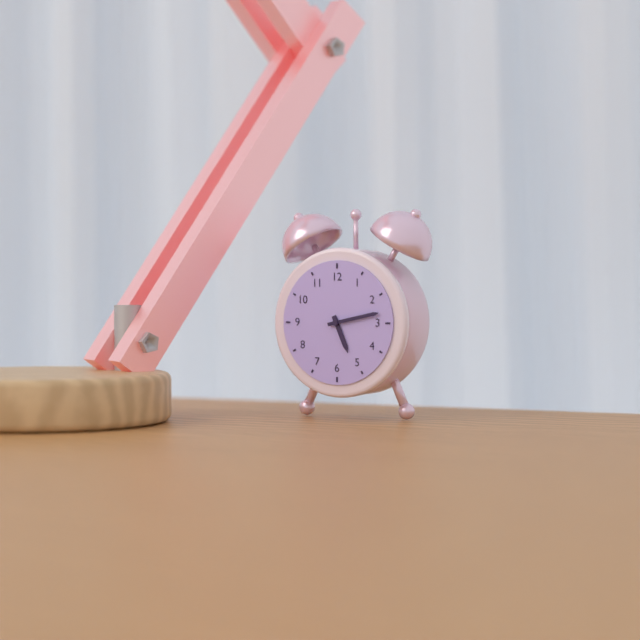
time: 5:13
